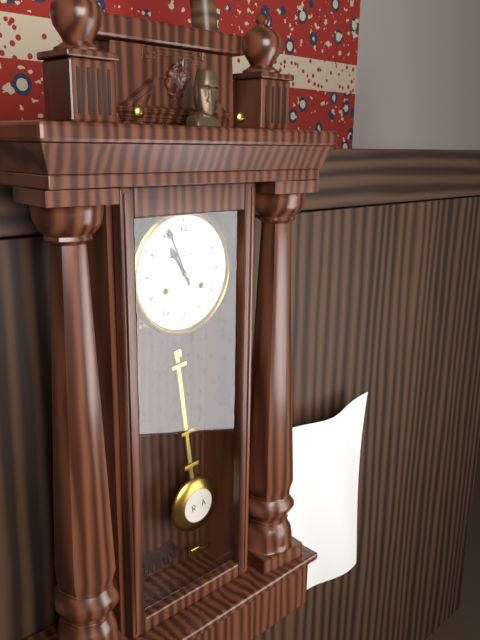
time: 10:56
